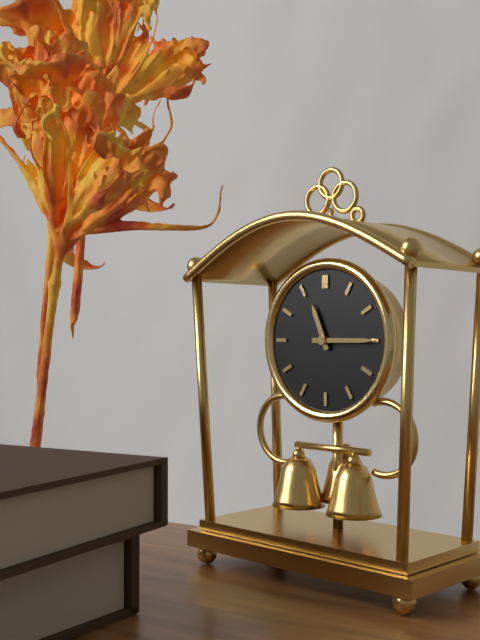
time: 11:15
